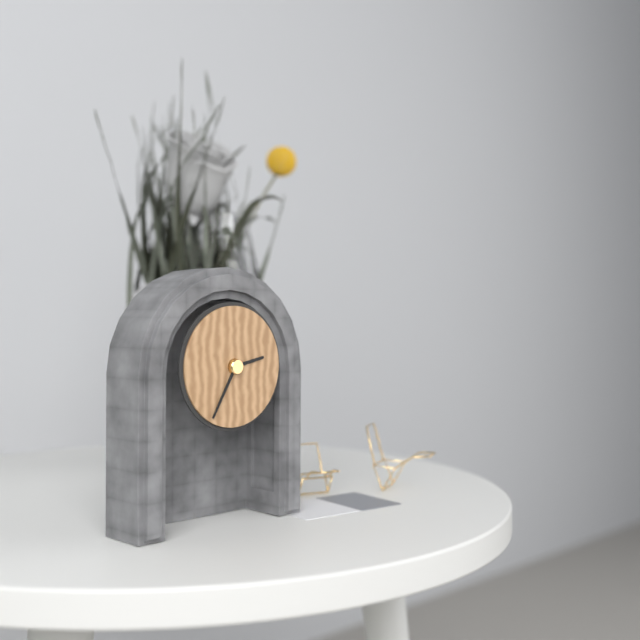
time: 2:35
